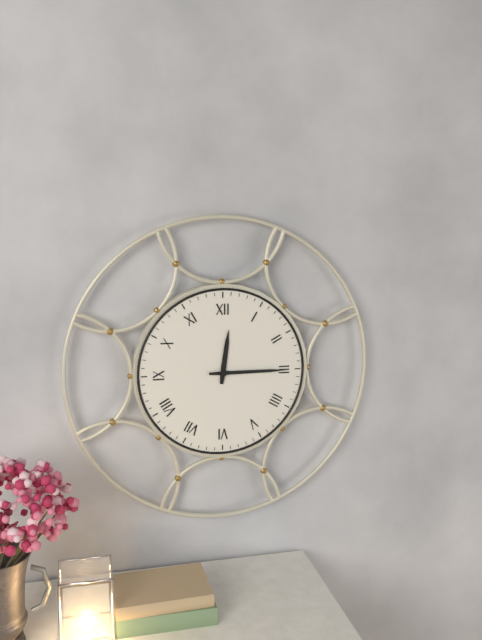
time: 12:15
